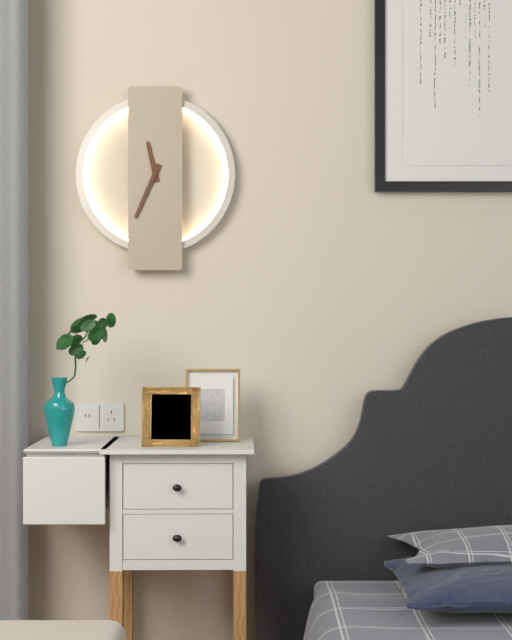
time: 11:34
